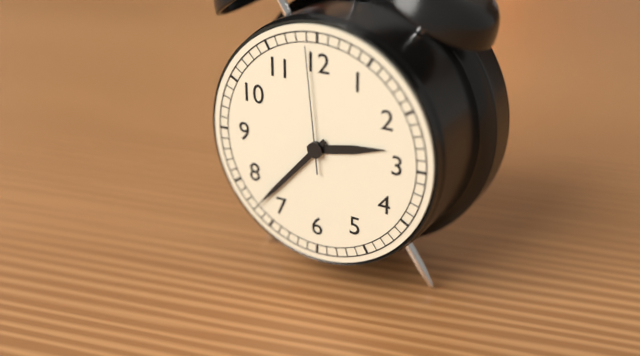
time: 2:37:59
